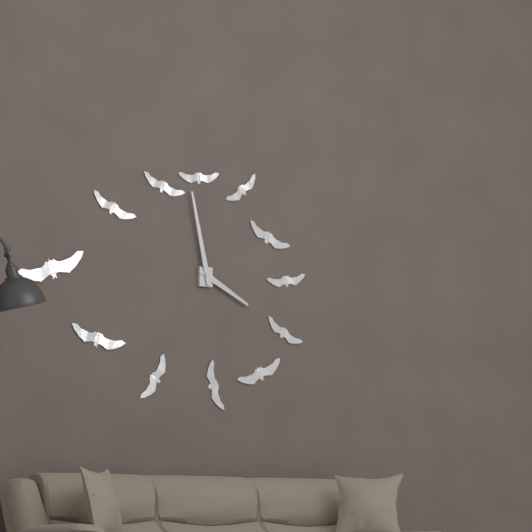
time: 3:58
